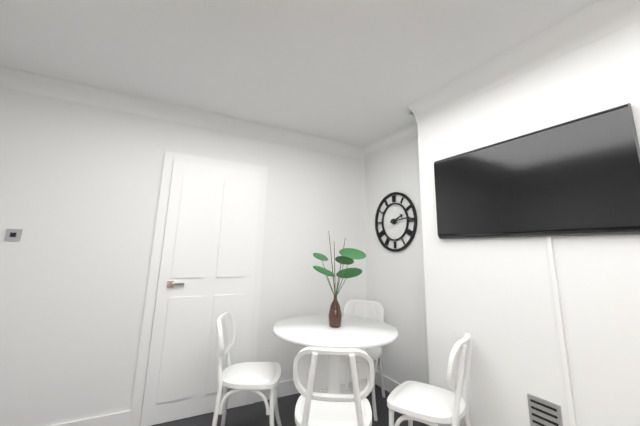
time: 2:14
